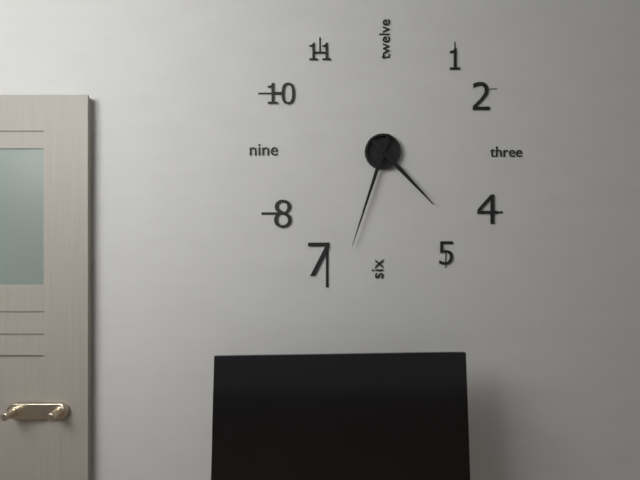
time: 4:33
